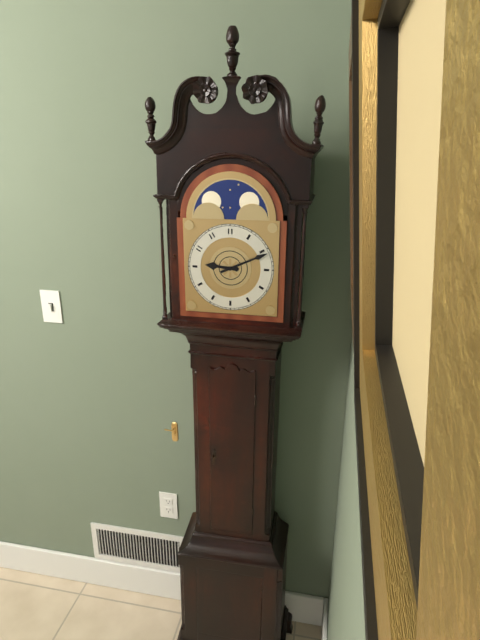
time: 9:11
